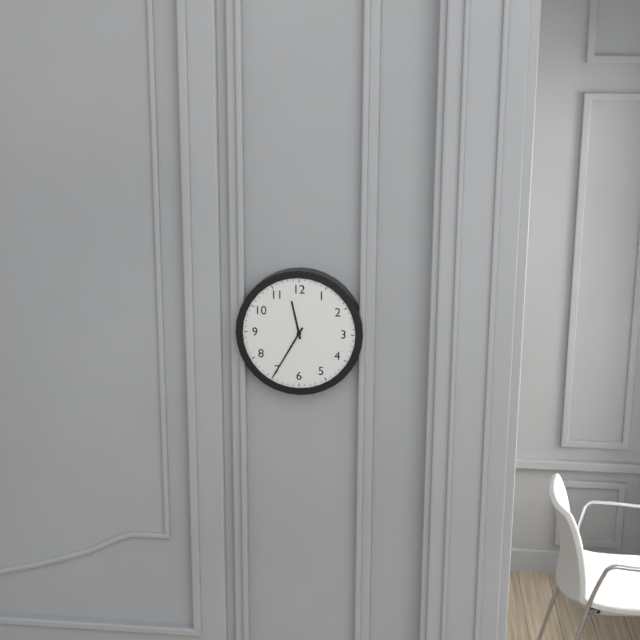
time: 11:35
